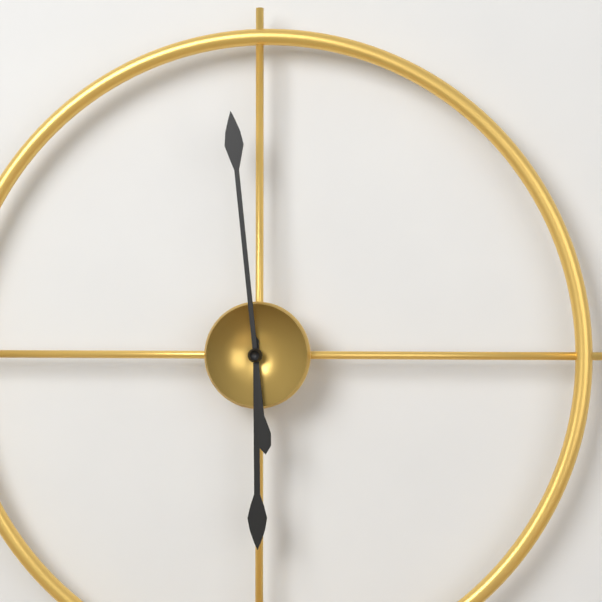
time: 5:59
